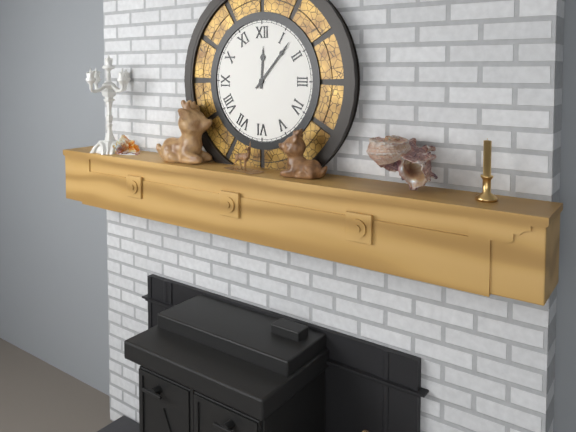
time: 12:07
